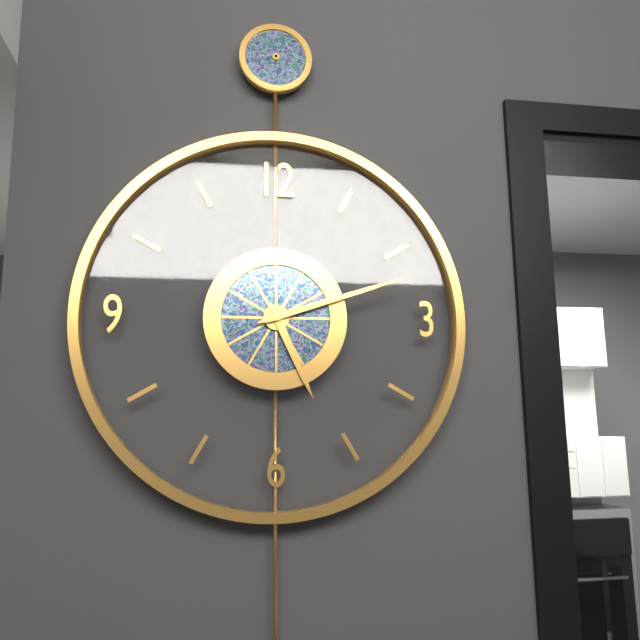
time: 5:12
